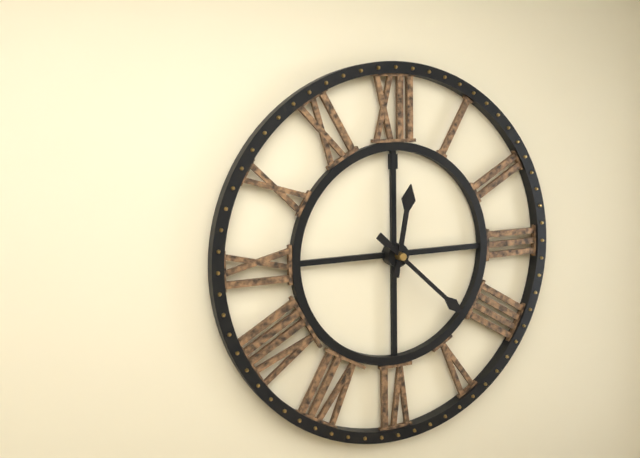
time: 12:22
